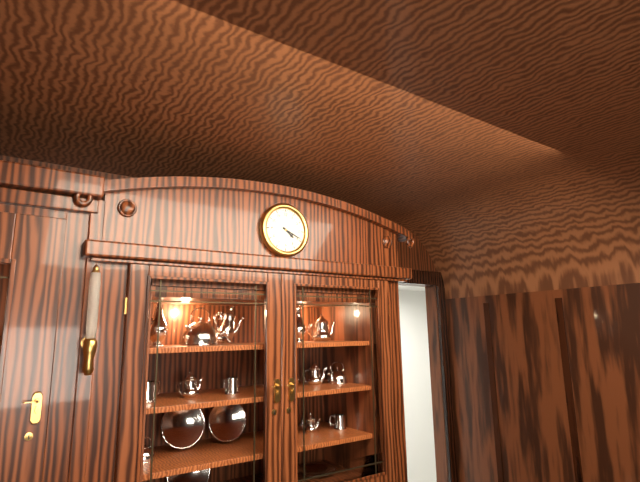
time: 4:19
